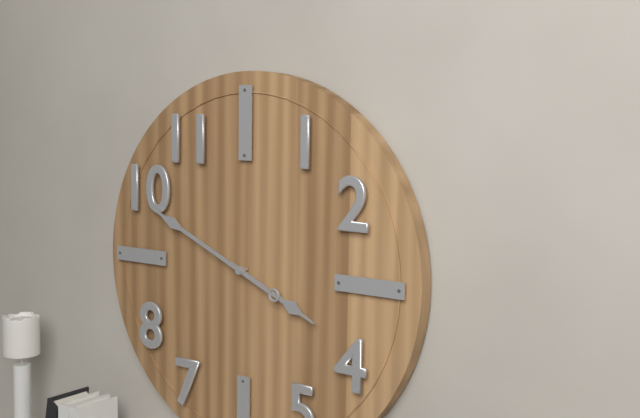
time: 3:49
